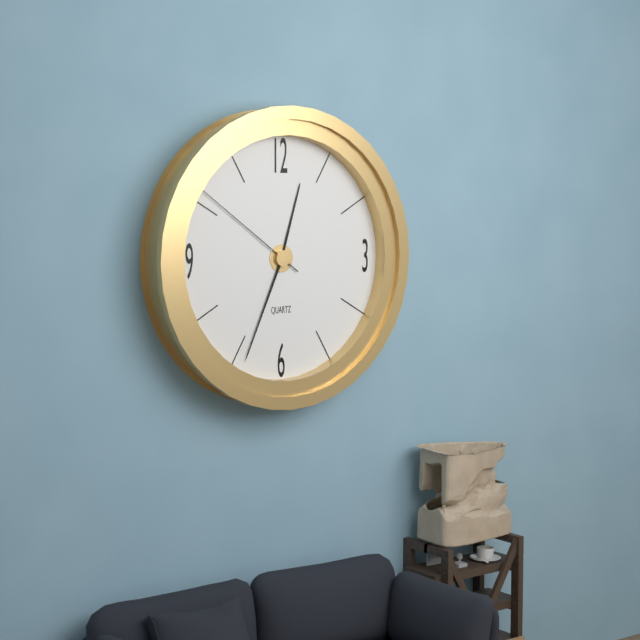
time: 12:34:51
